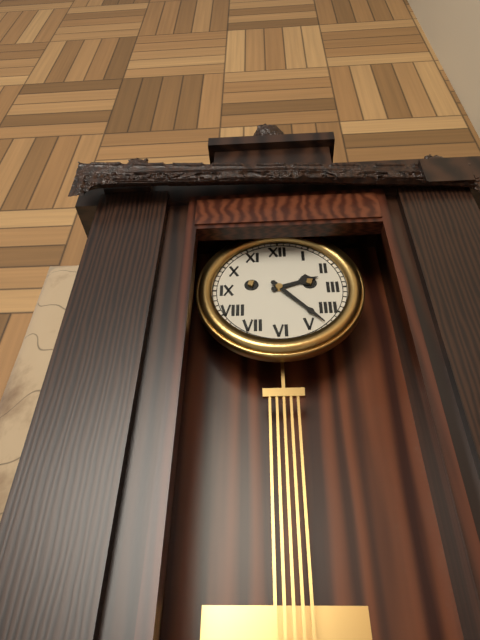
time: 2:23
